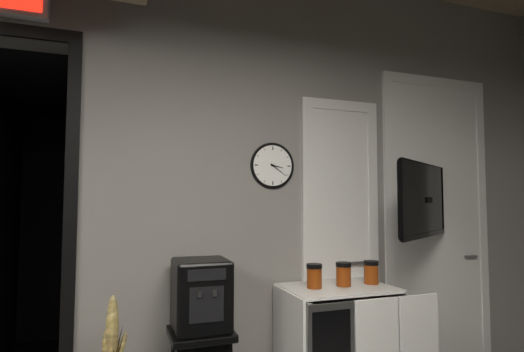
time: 3:21
